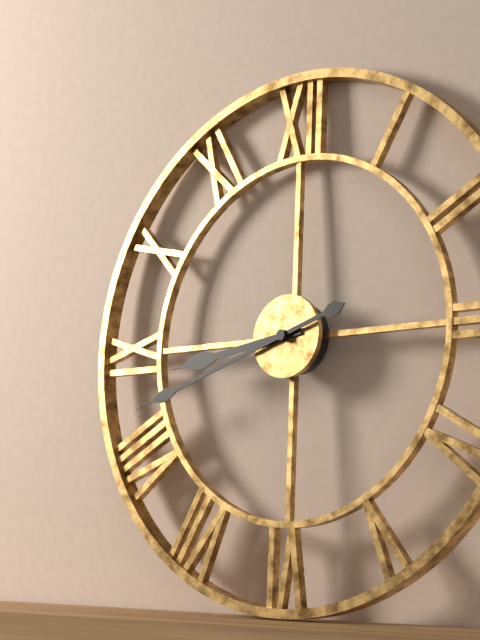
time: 8:42
